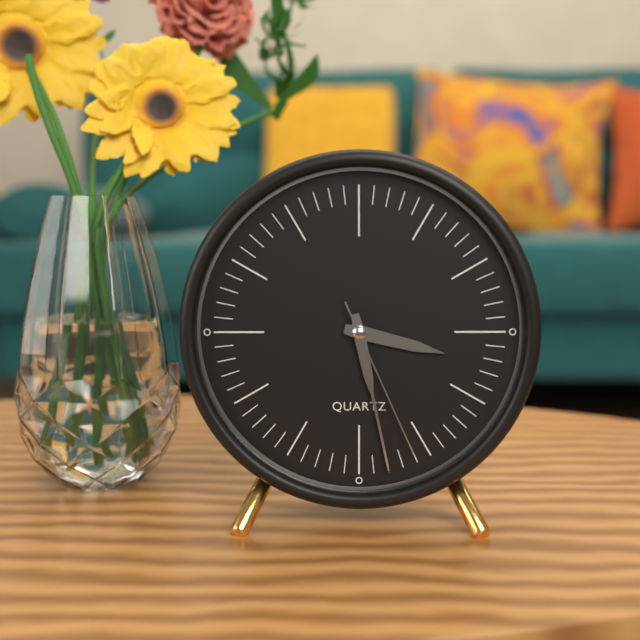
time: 3:28:26
